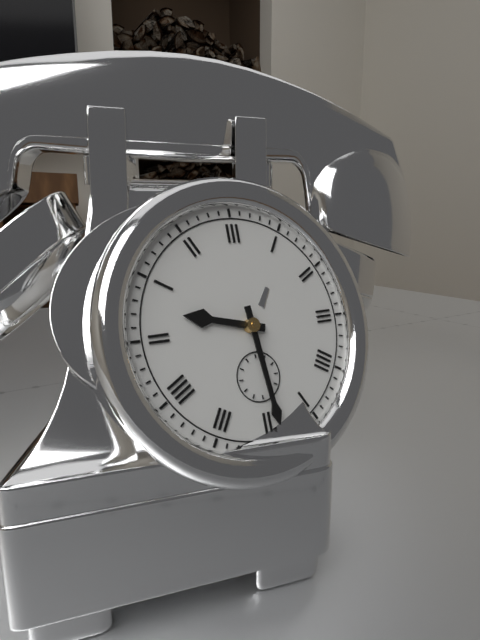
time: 9:29
